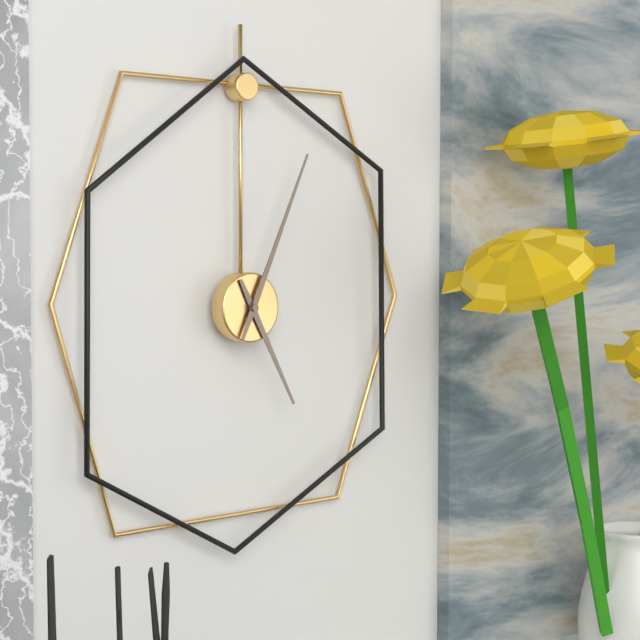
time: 5:04
